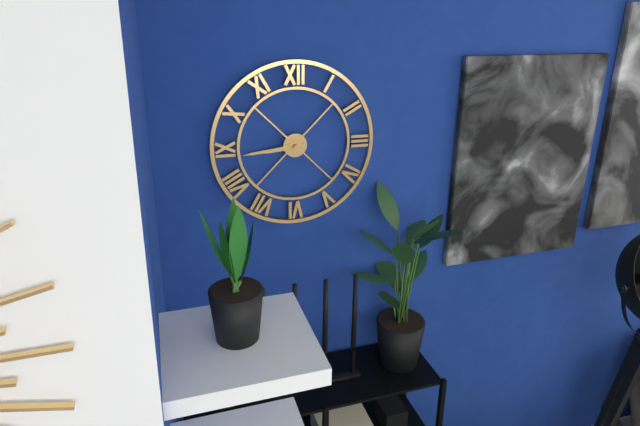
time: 8:44
